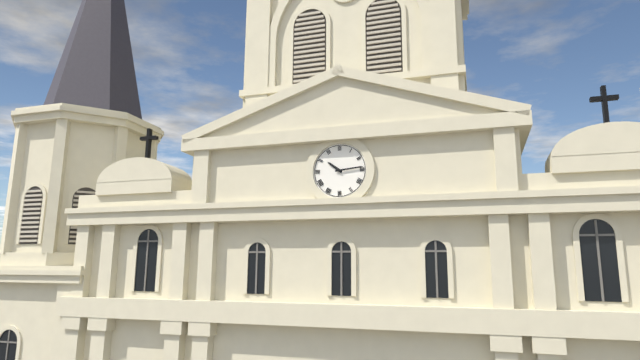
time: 10:14
